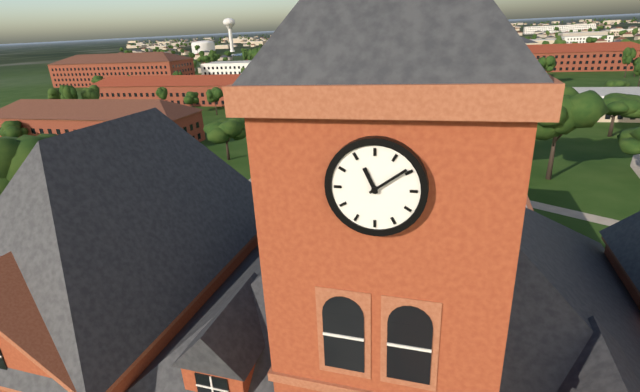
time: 11:09
